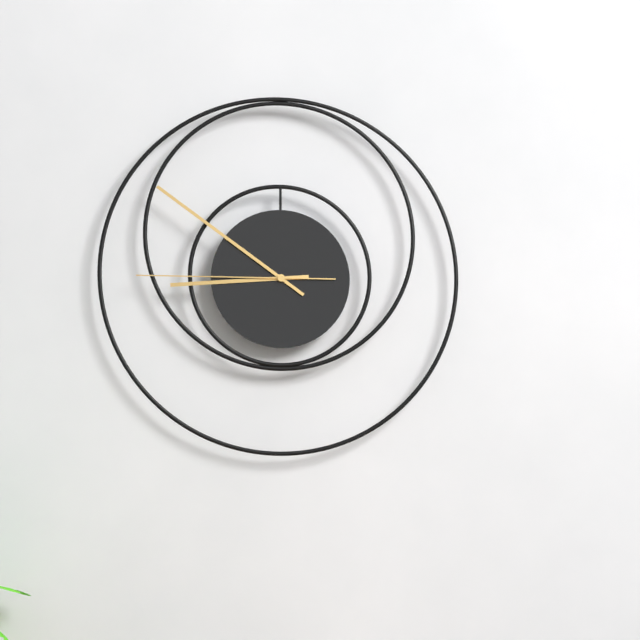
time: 8:51:45
